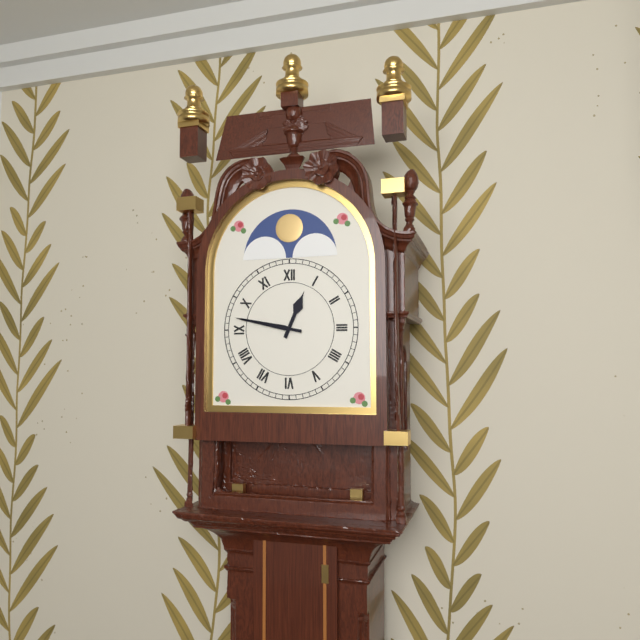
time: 12:47
